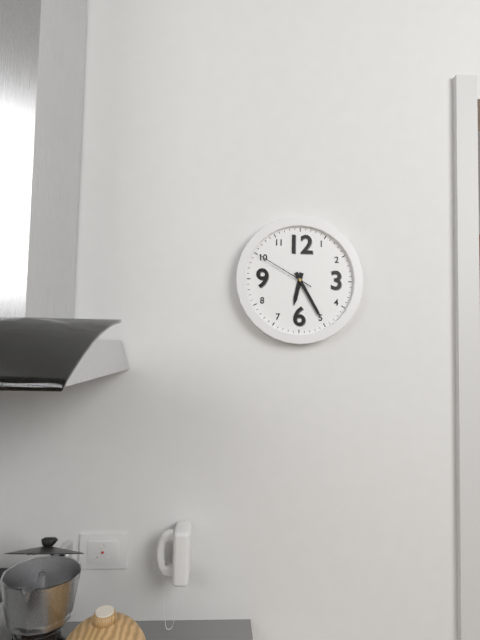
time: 6:25:50
